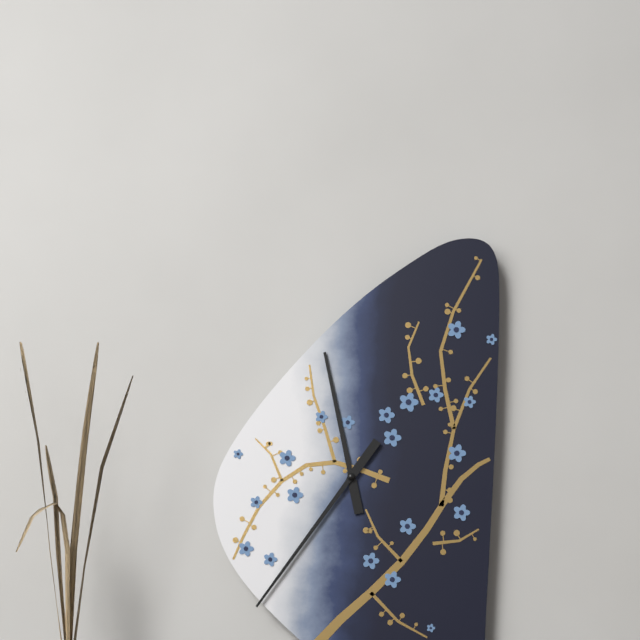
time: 11:36
